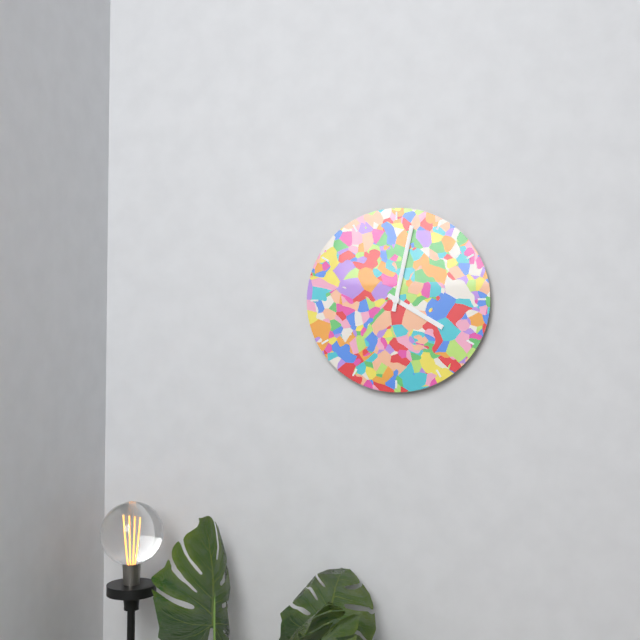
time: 4:02
